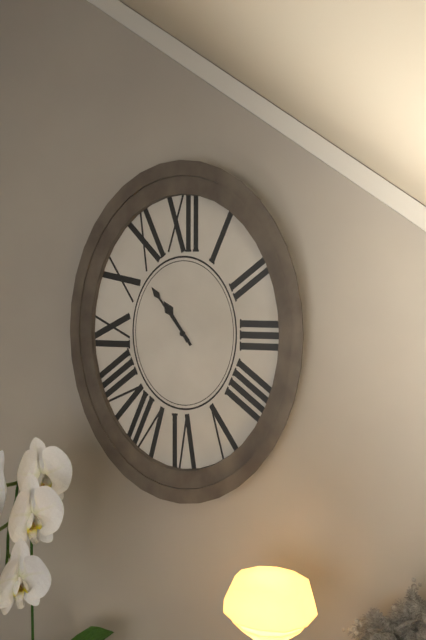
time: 10:54
